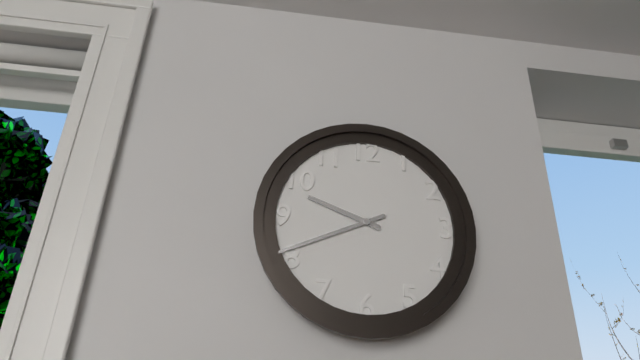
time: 9:41
